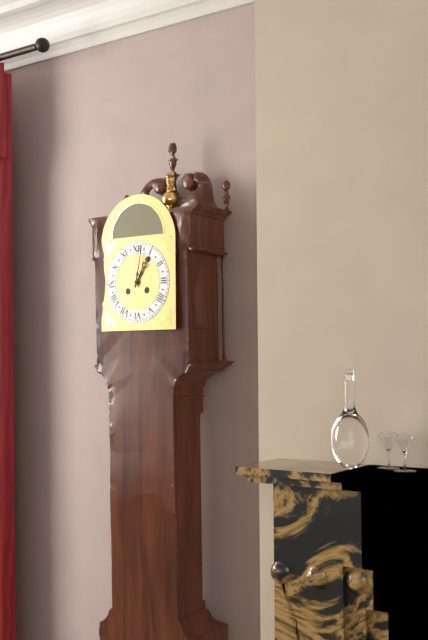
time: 1:02
